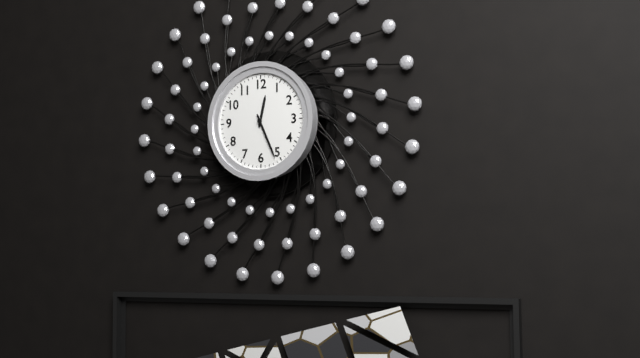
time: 12:26
